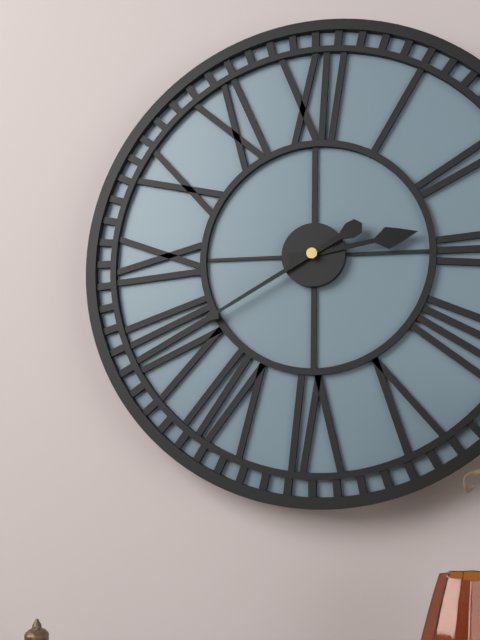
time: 2:40
